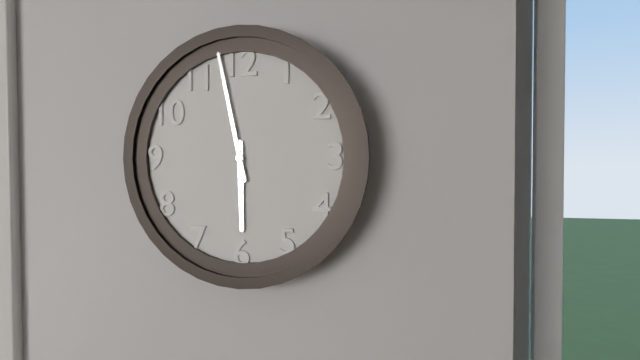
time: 5:58
